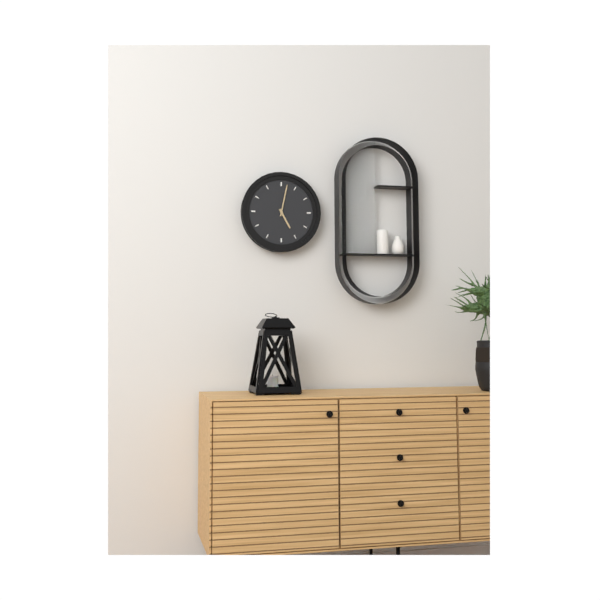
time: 5:02
